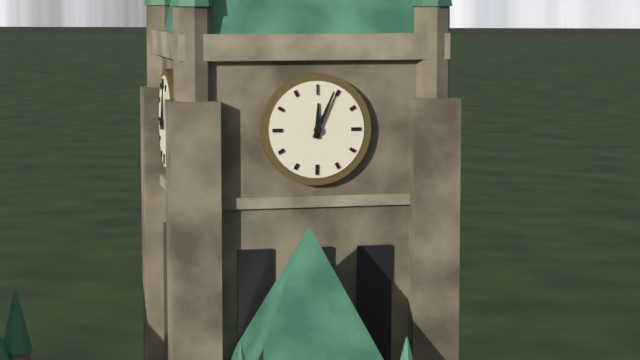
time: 12:04
